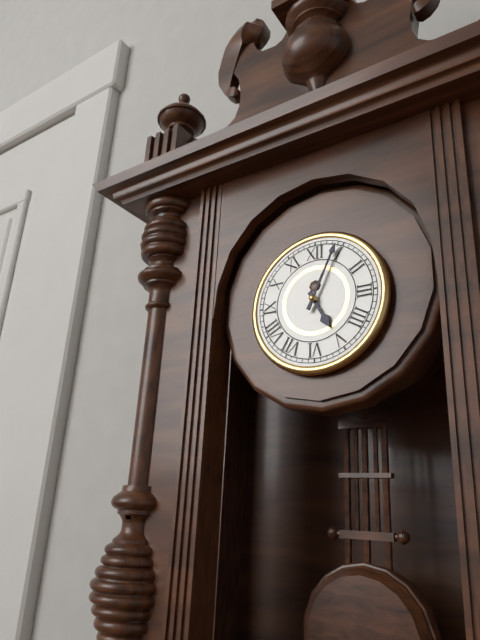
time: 5:04
